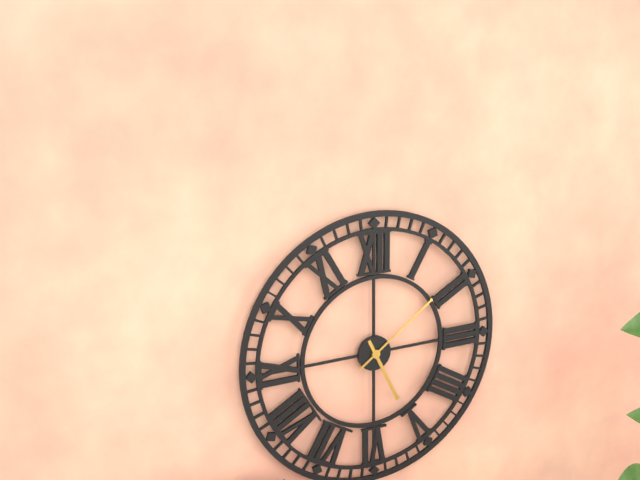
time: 5:09
